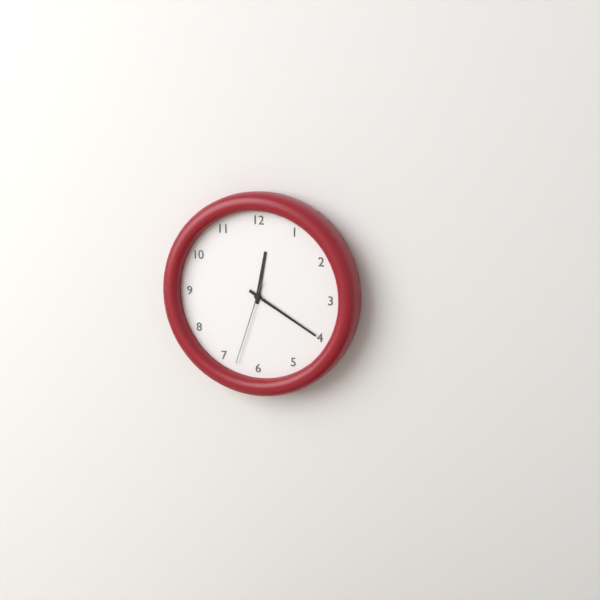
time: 12:20:33
